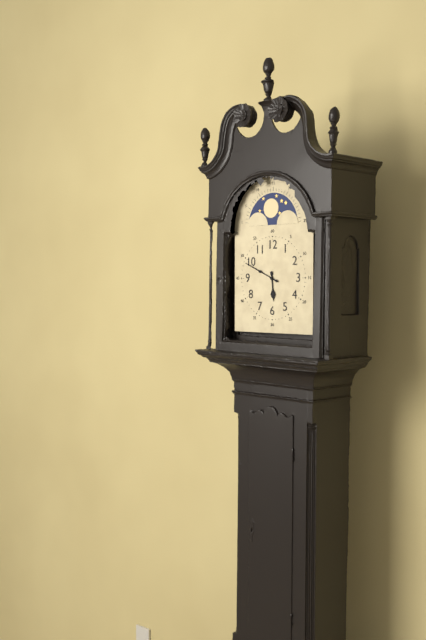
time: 5:49
